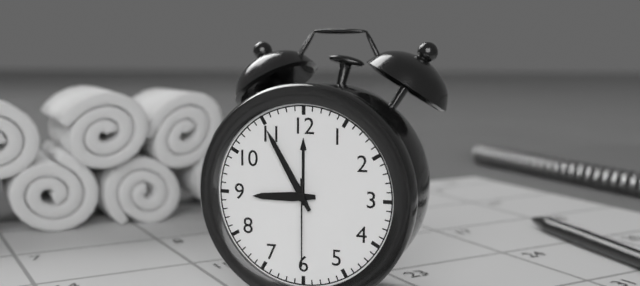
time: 8:55:30
